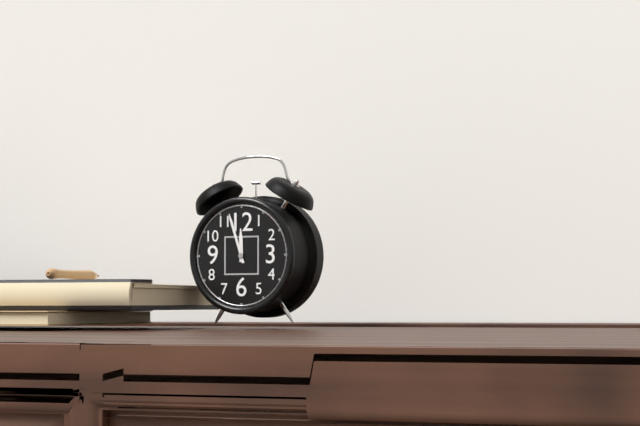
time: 11:57
